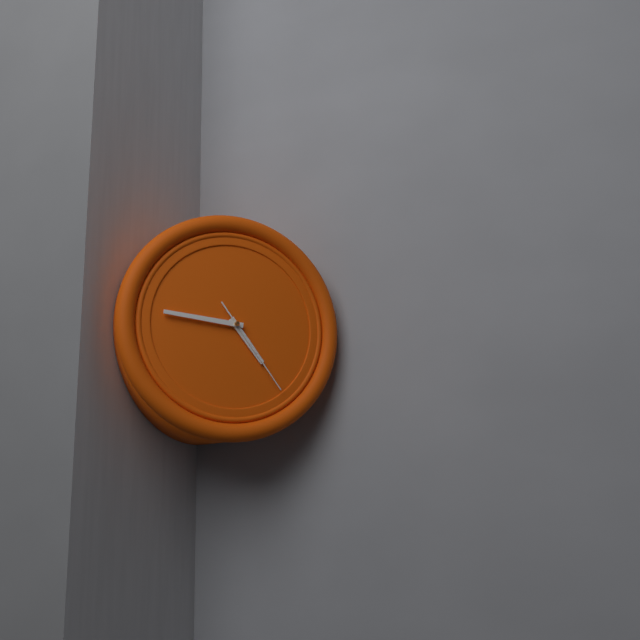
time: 4:46:24
